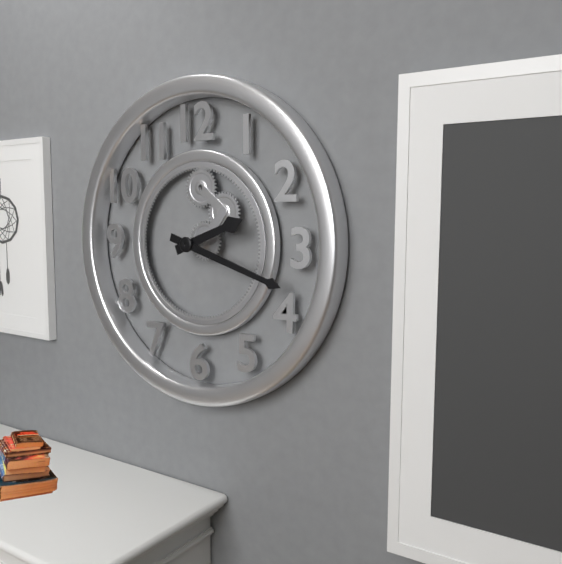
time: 2:18
